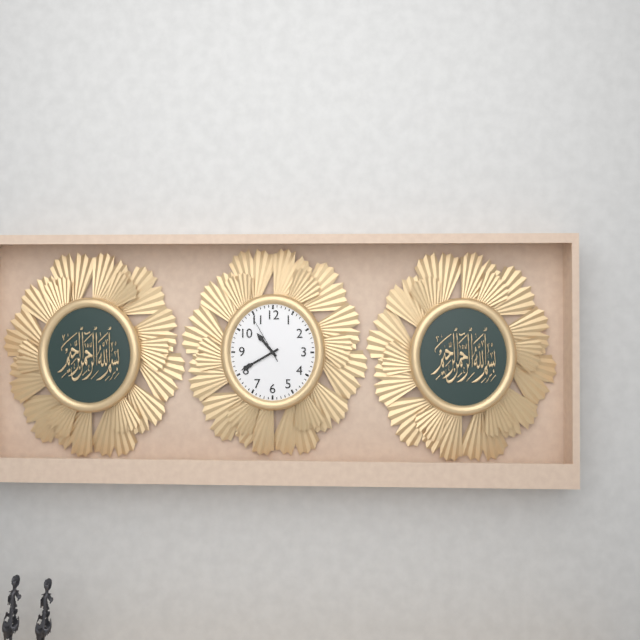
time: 10:40
